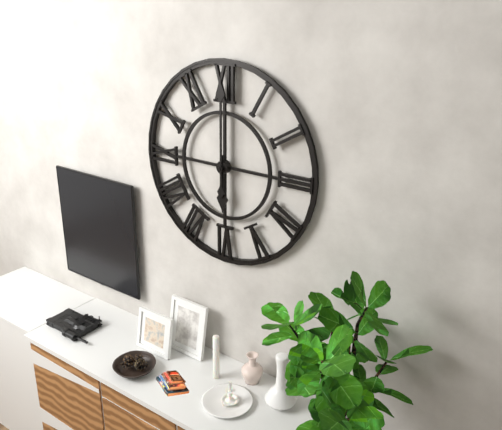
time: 6:00
